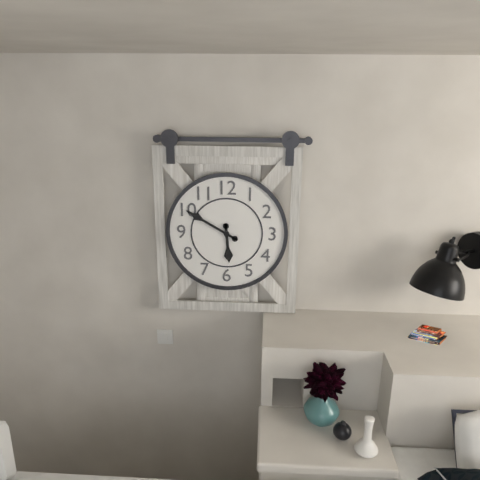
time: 5:50
